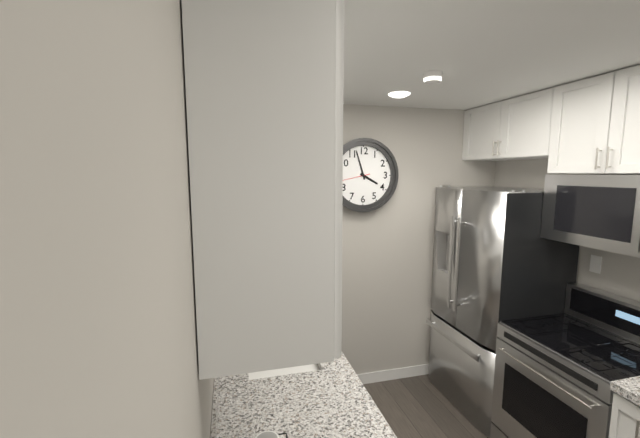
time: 3:57
